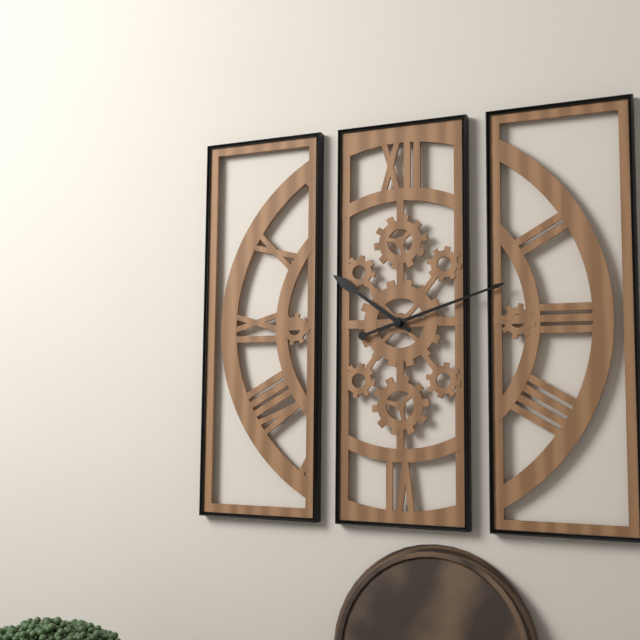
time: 10:12
